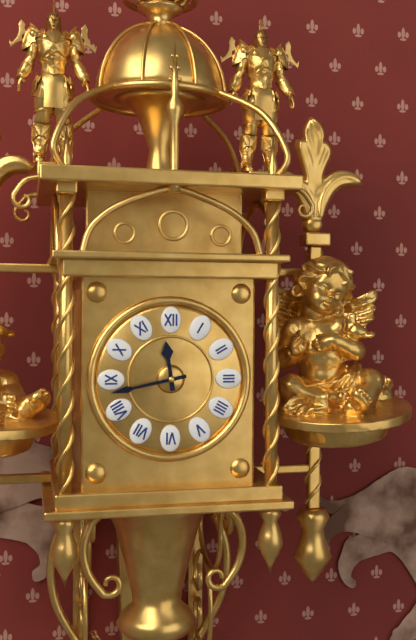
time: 11:43
